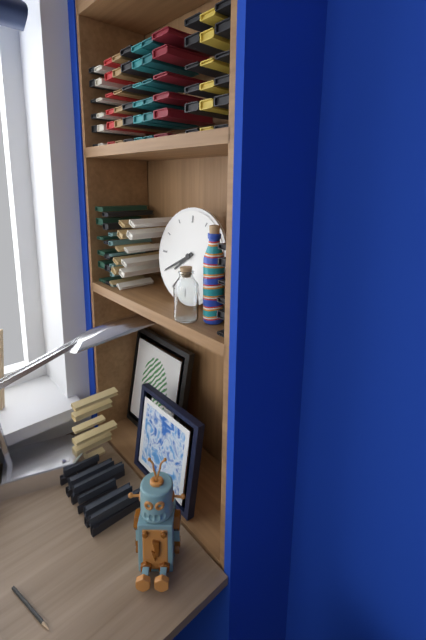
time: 7:40
